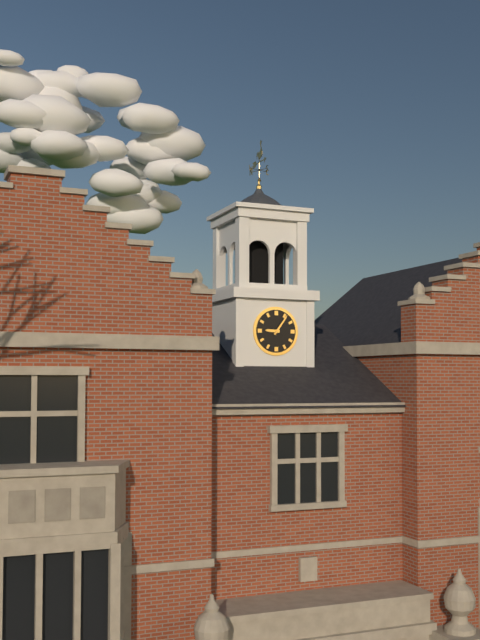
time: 9:06
